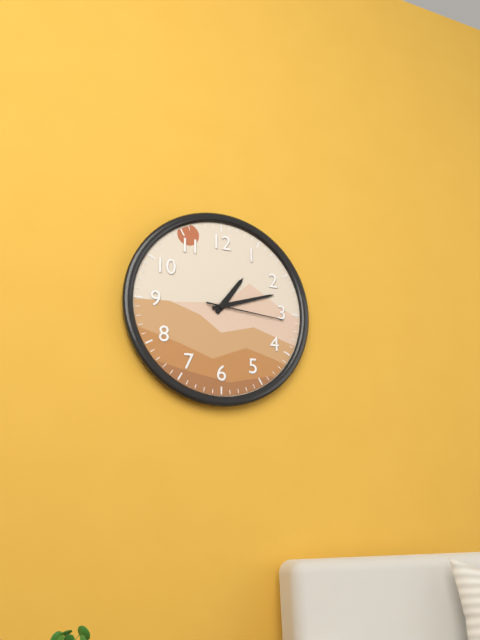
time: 1:12:16
